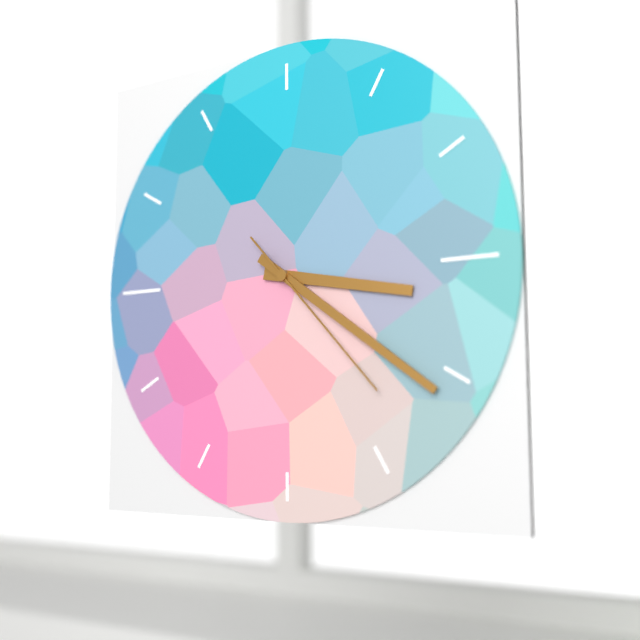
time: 3:21:23
